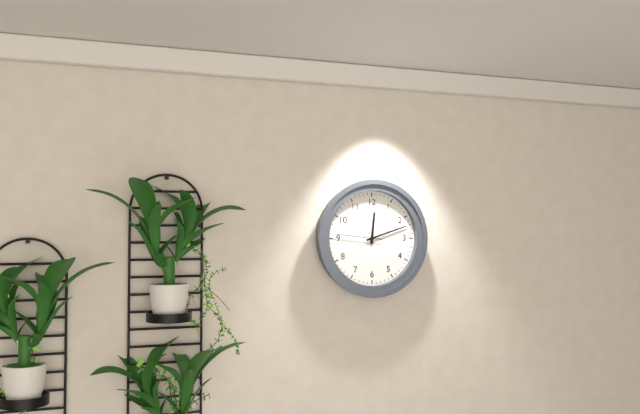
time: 12:12
